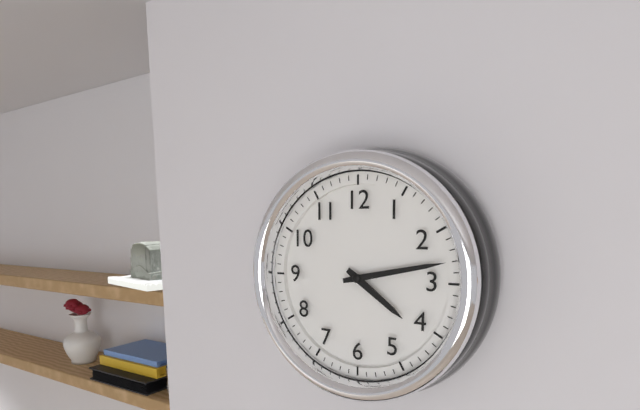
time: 4:13
